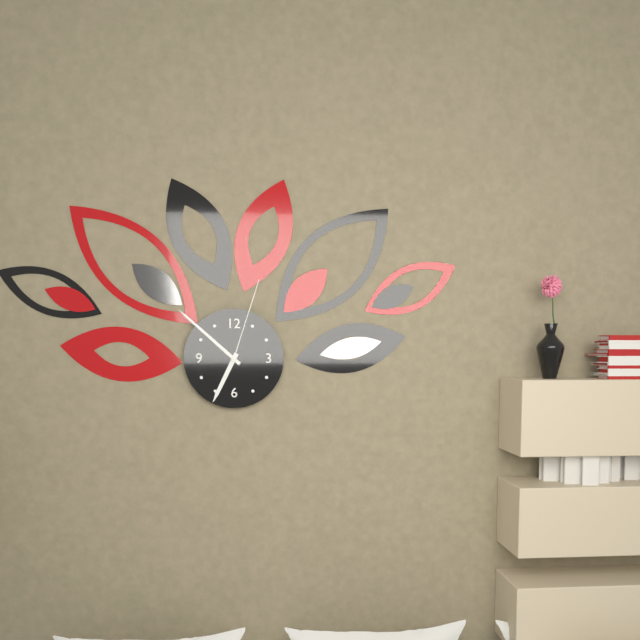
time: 6:52:03
